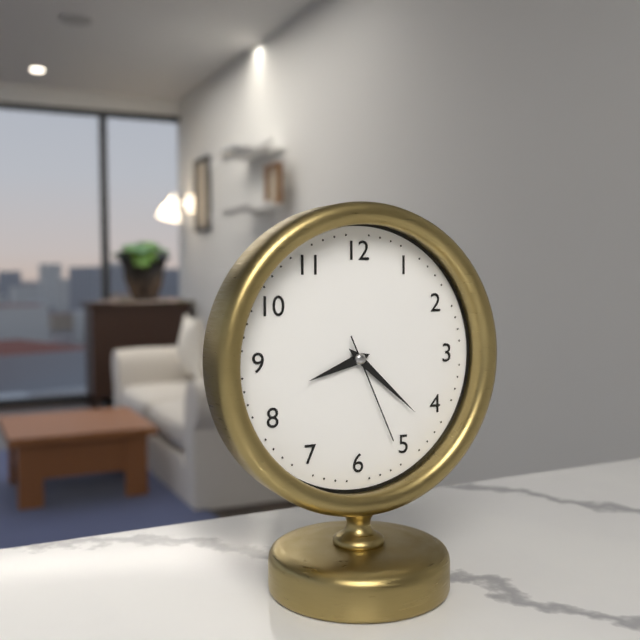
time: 8:22:26
